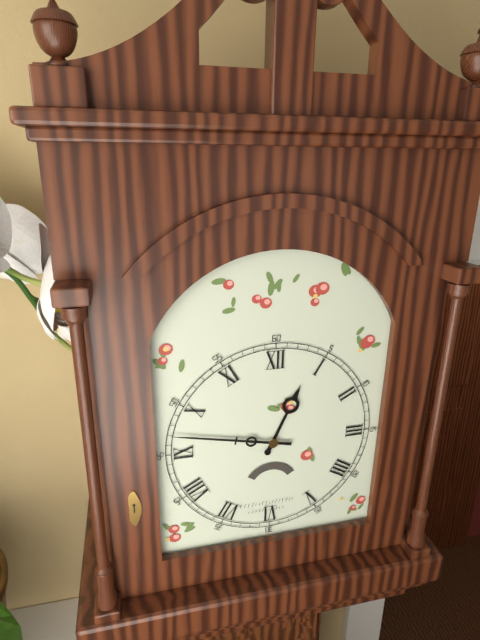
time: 12:47
